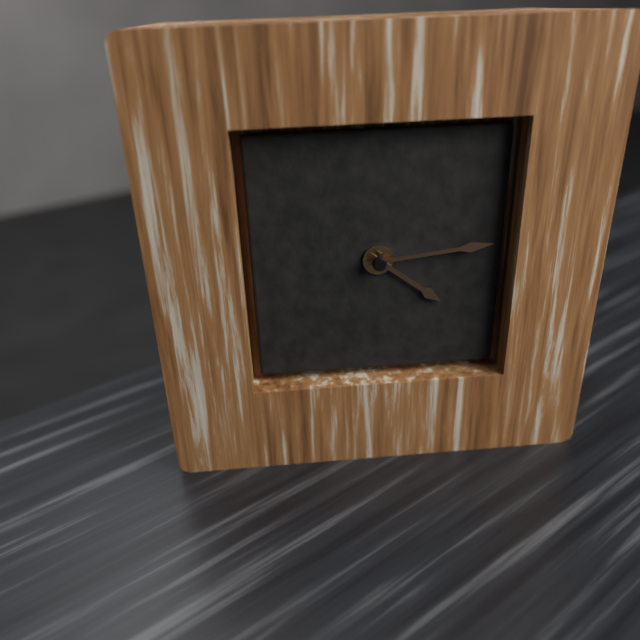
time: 4:14
